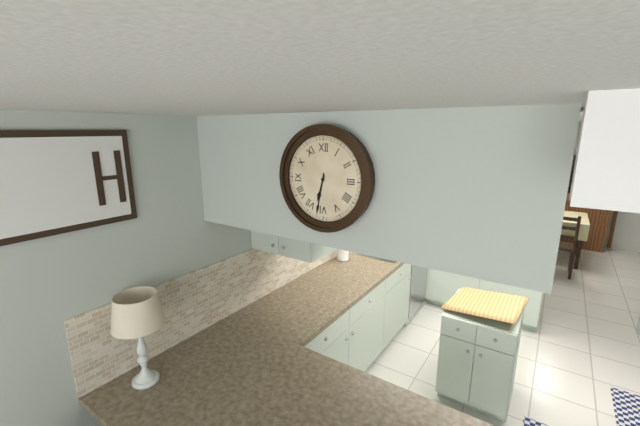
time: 6:32
